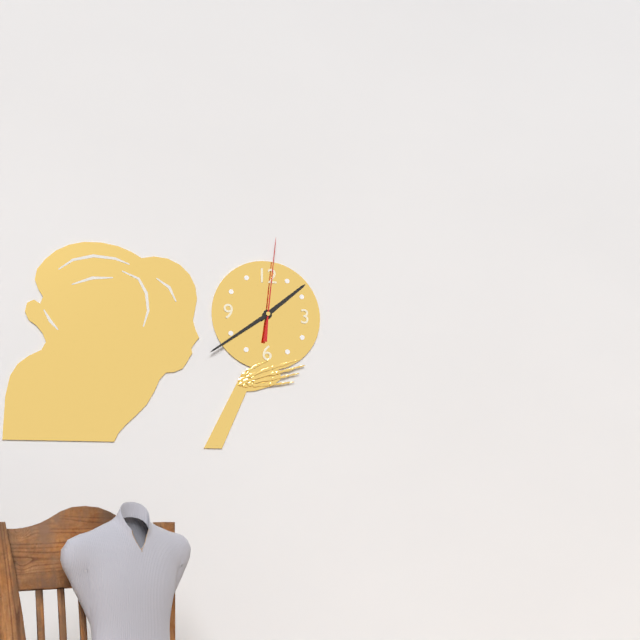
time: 1:39:01
